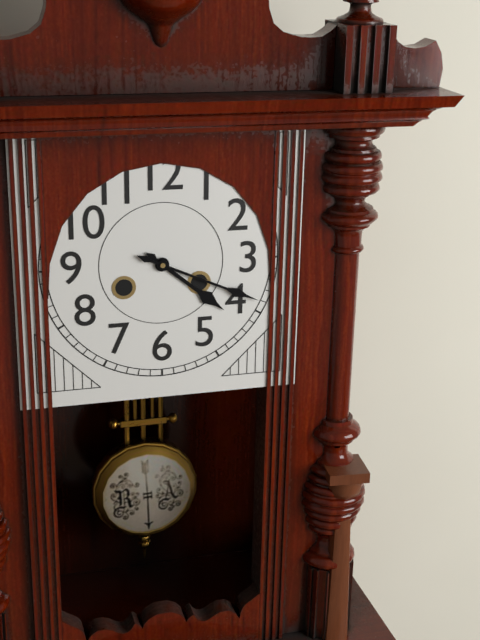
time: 4:19
